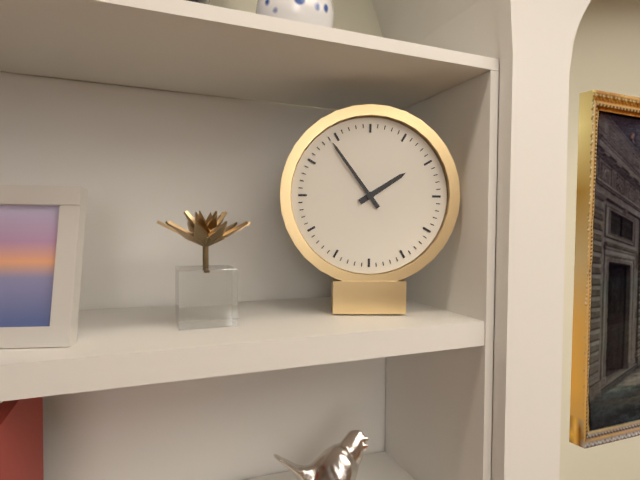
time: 1:54
